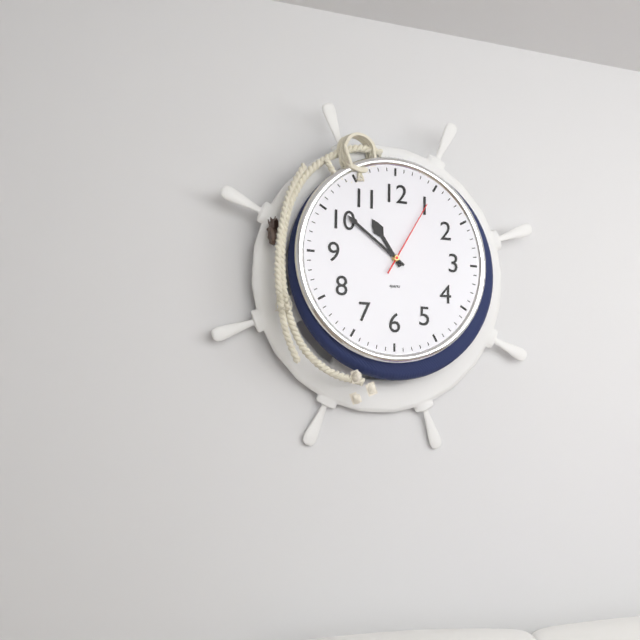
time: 10:51:05
